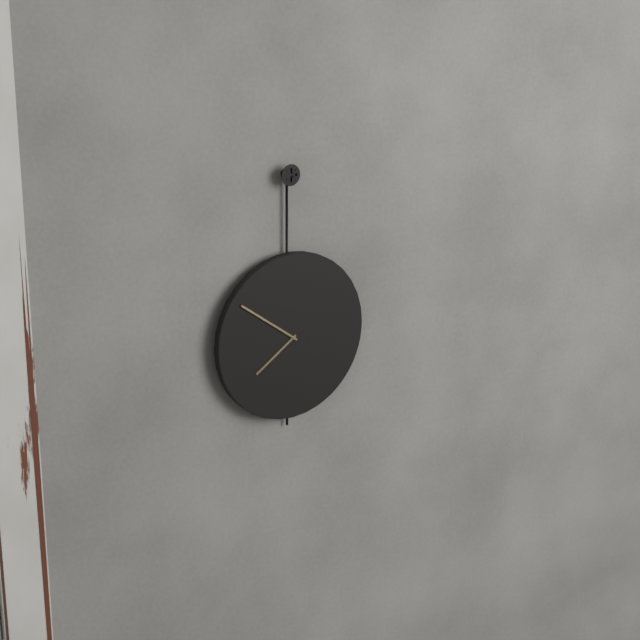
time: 7:51
